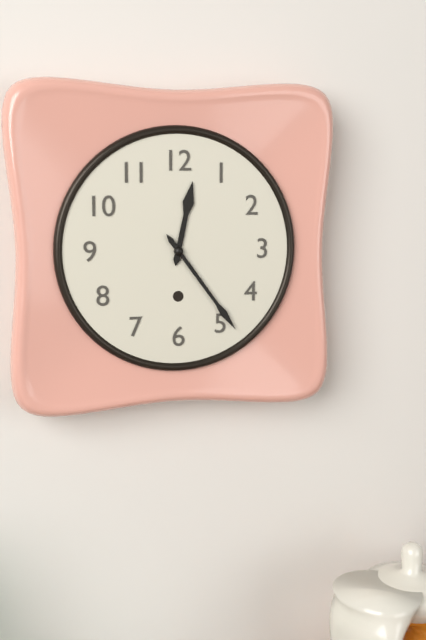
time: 12:24
